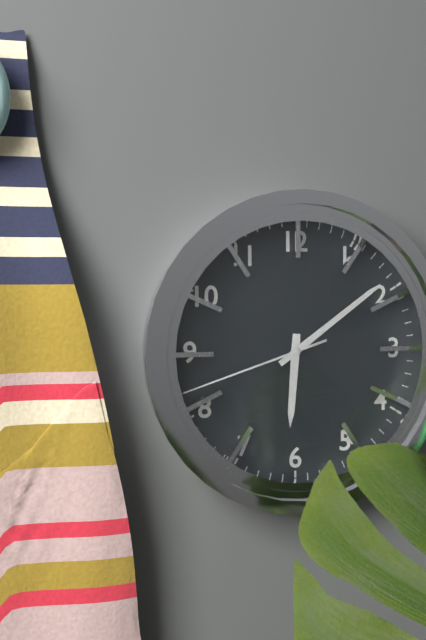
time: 6:09:42
